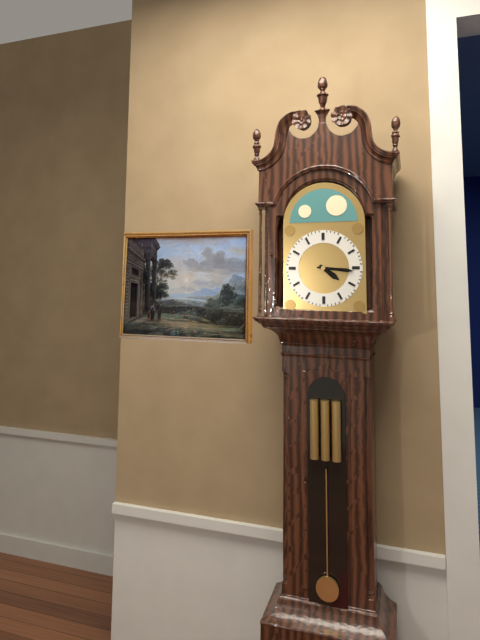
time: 4:16
